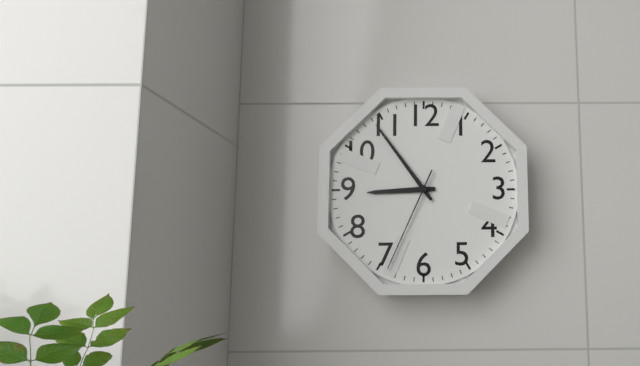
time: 8:54:34
